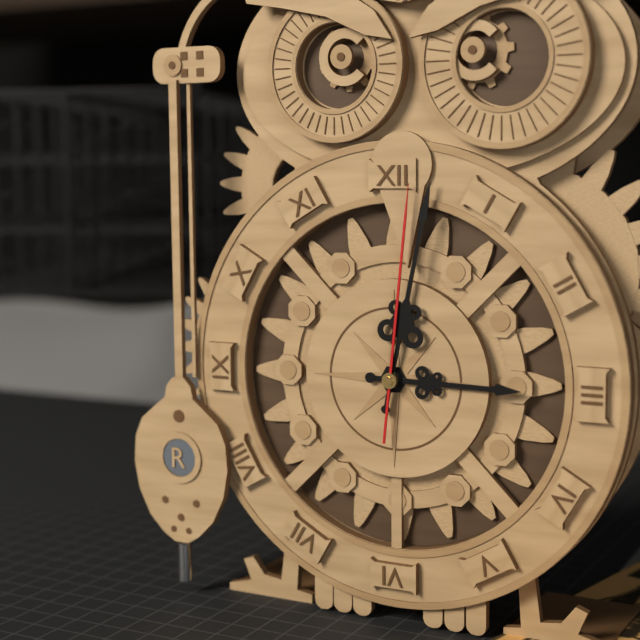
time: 3:02:01
